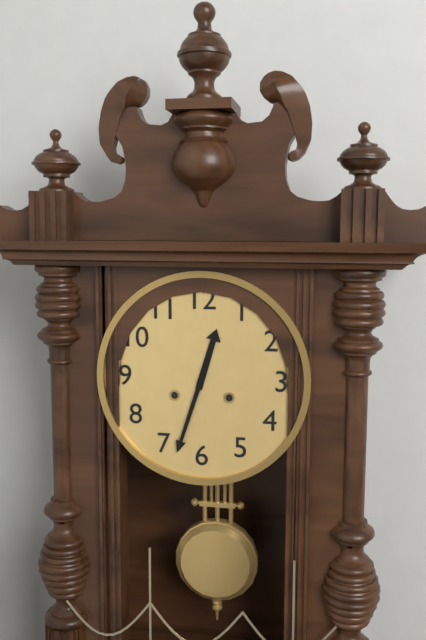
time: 12:33
